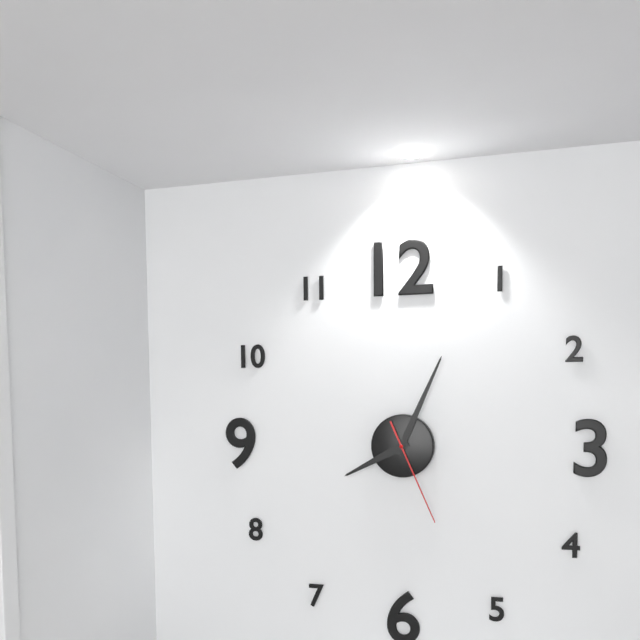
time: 8:04:26
